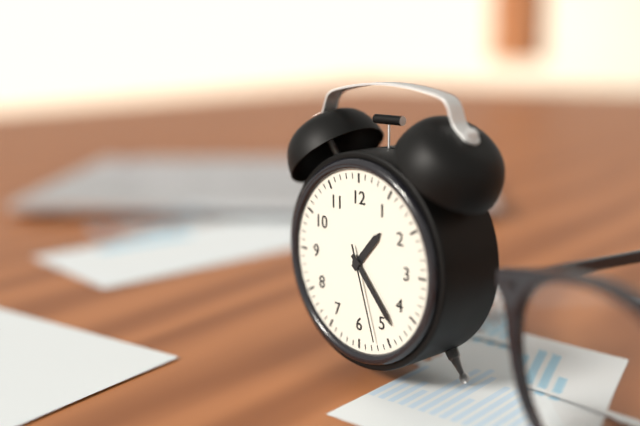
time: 1:23:27
